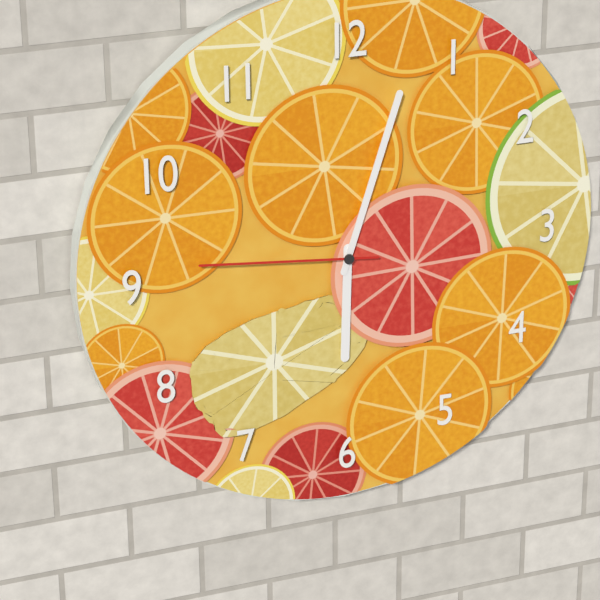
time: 6:03:46
